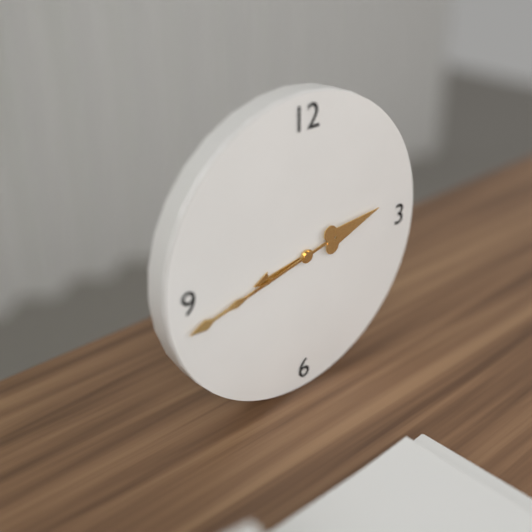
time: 8:43
